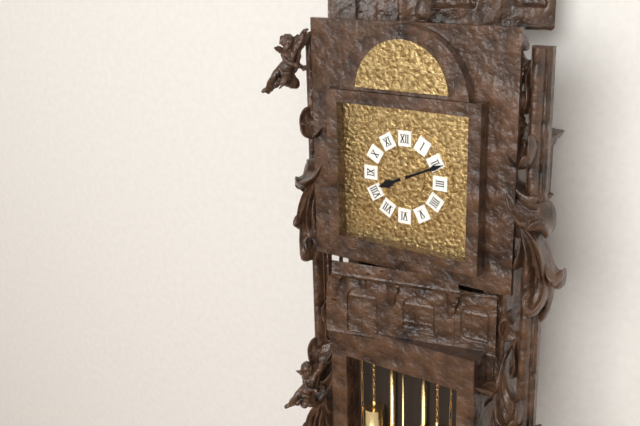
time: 8:11
